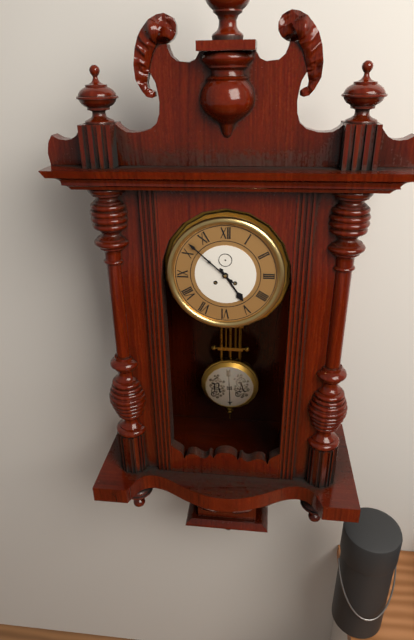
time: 4:52
